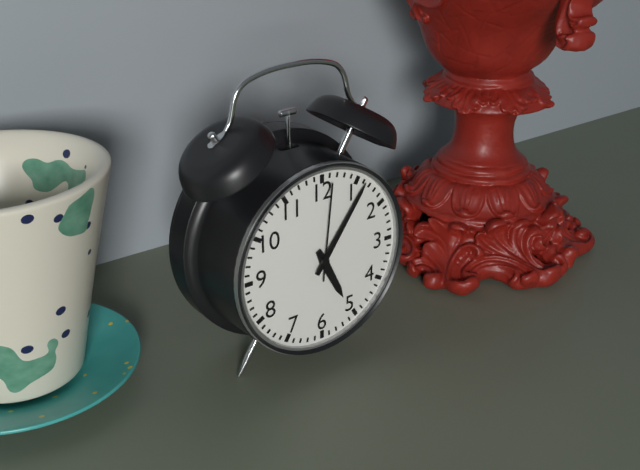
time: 5:06:01
